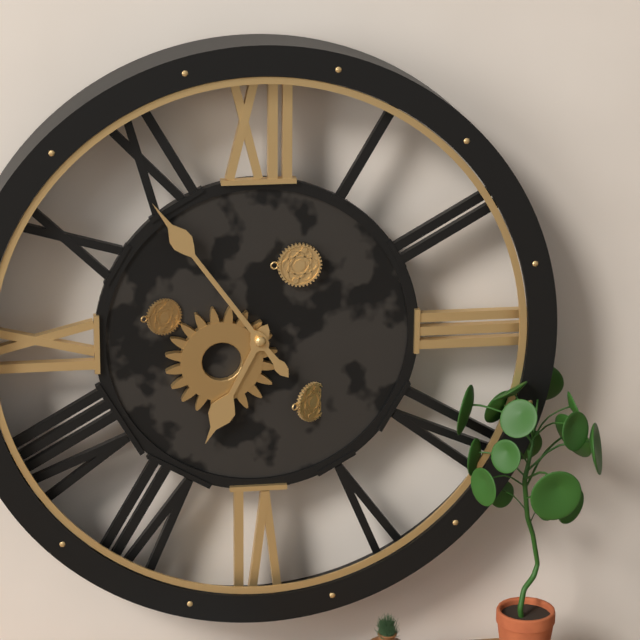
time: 6:54
